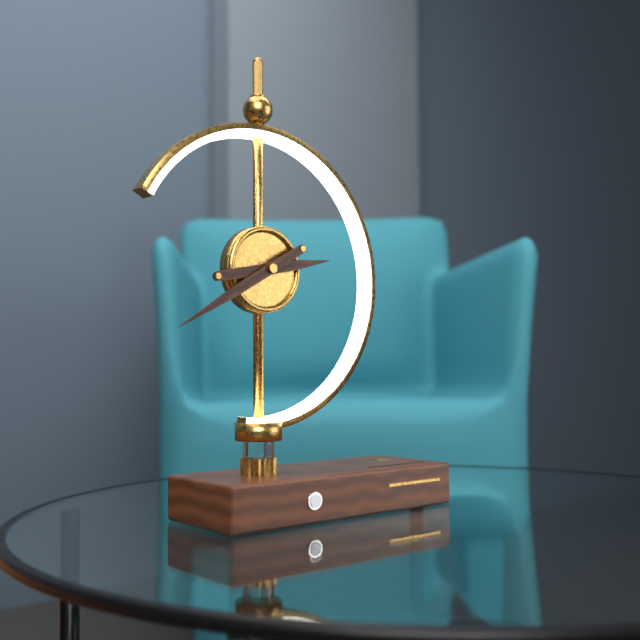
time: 2:40
